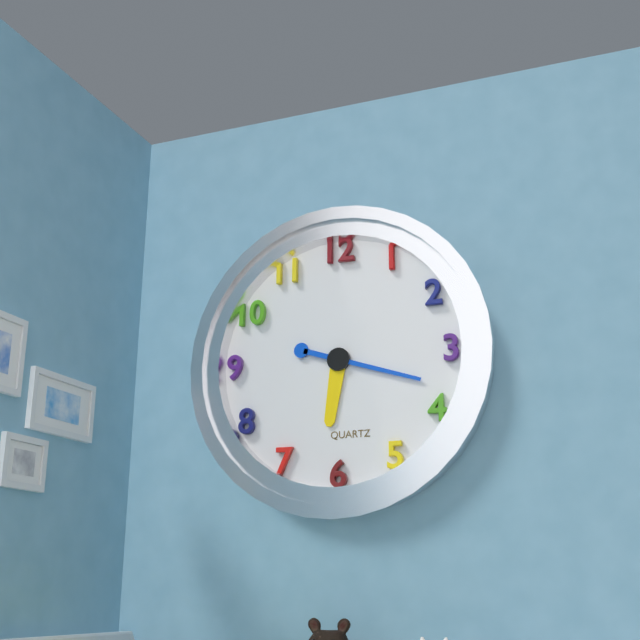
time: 6:18
